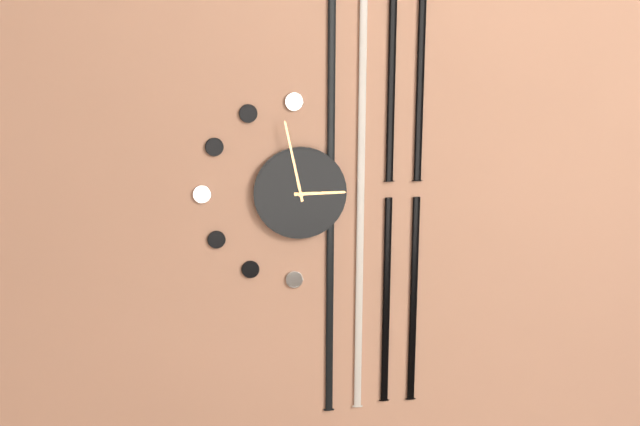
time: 2:58
